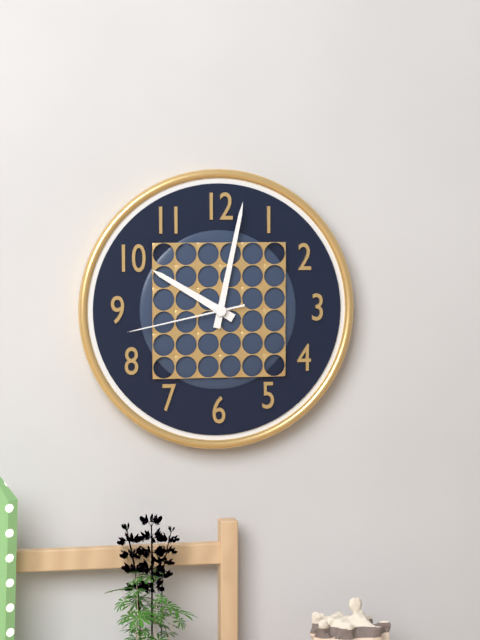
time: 10:02:43
